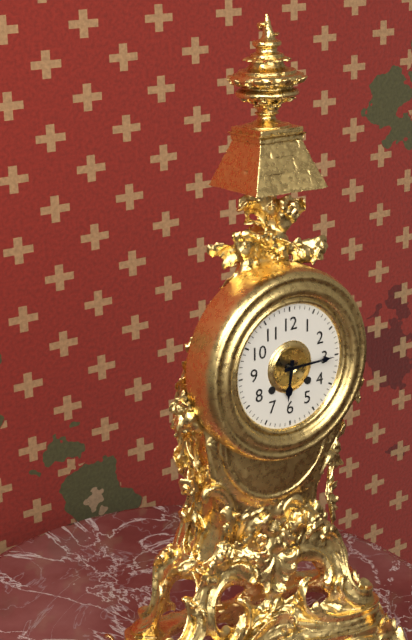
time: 6:15
